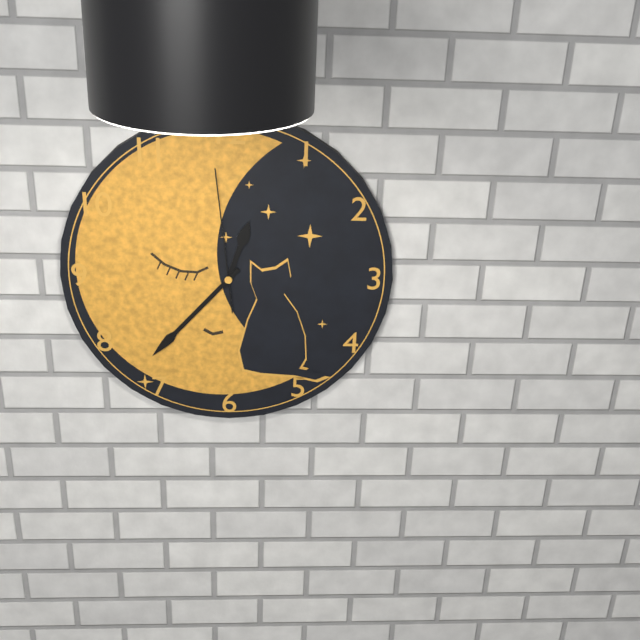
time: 12:37:59
